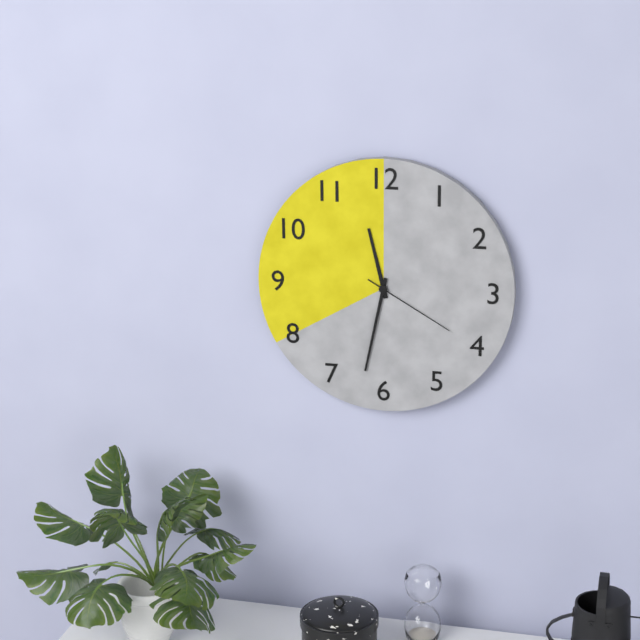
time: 11:32:20
